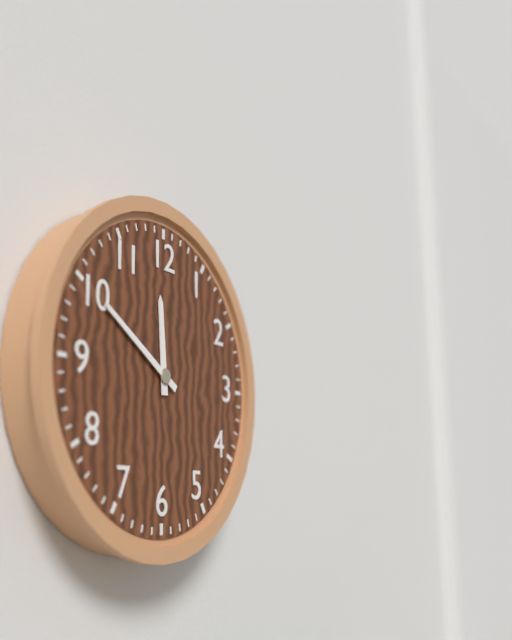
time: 11:50
